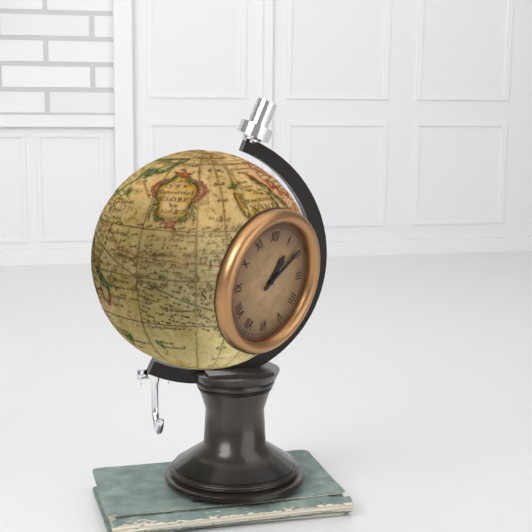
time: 1:09
